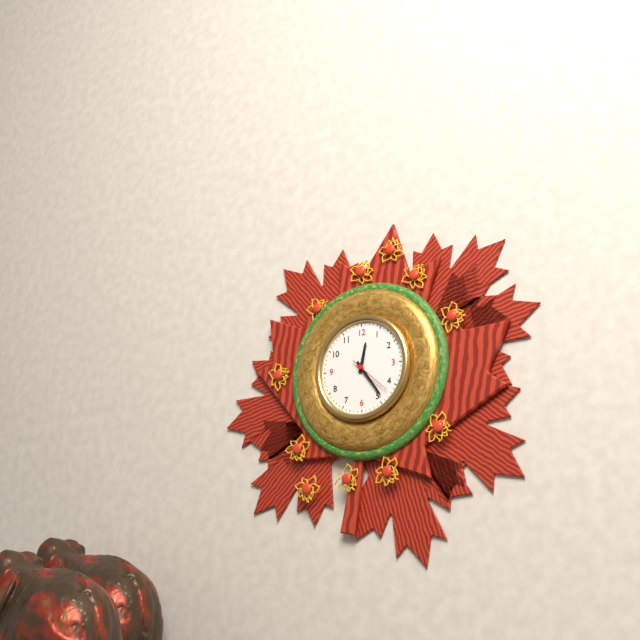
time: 12:24
